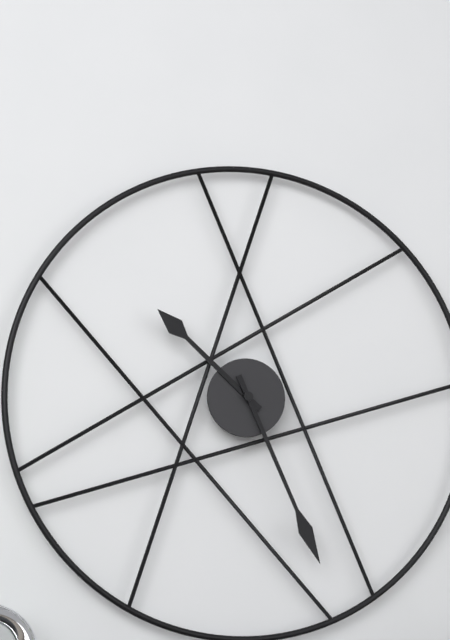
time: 10:26
